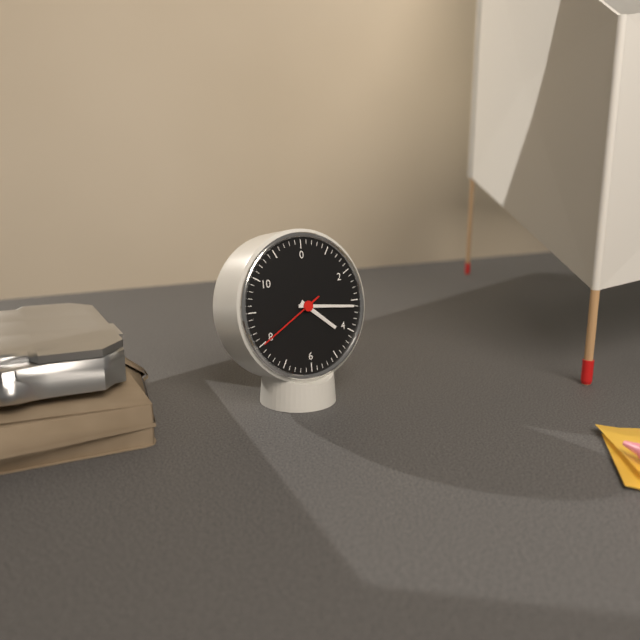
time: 4:16:40
